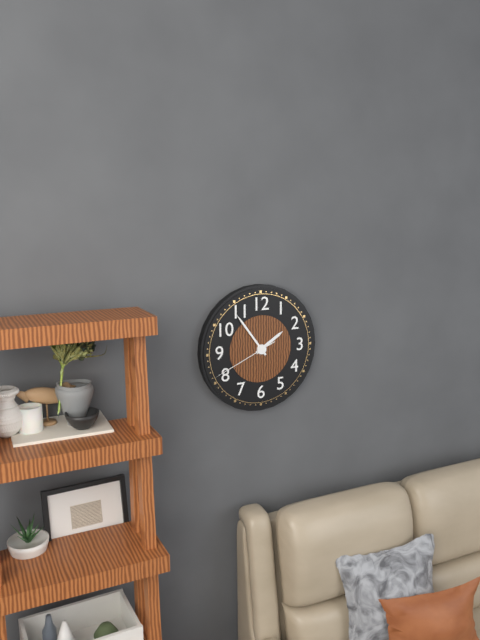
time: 1:54:41
